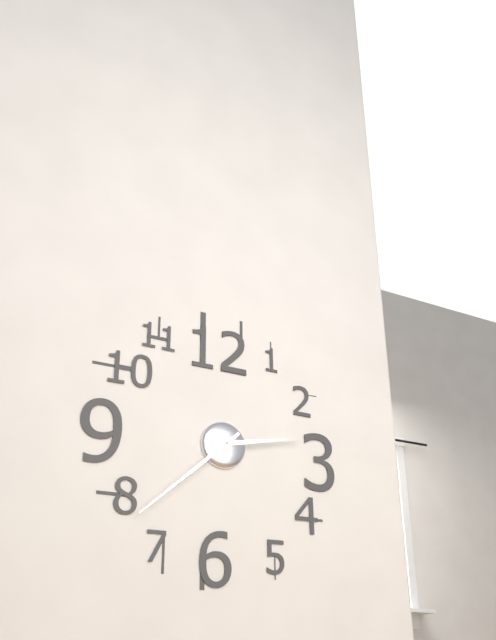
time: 2:38
